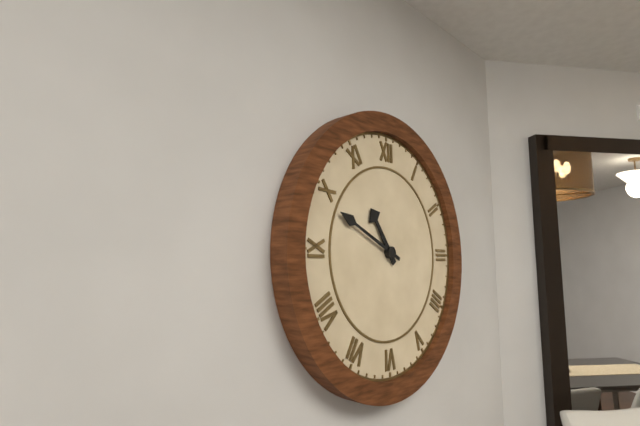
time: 10:49
